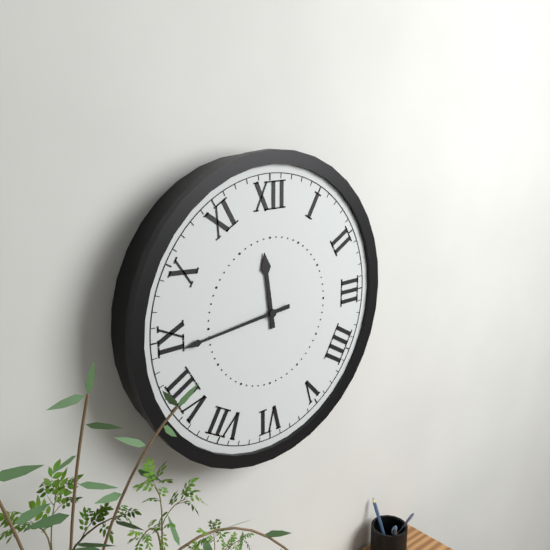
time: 11:44
